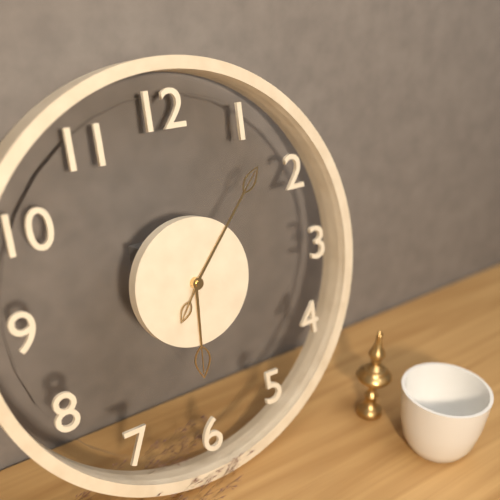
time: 6:07:36
